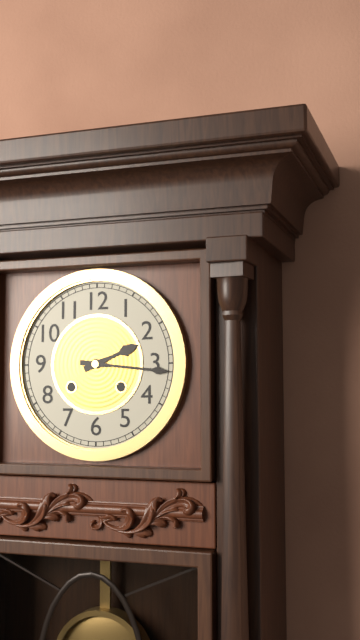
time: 2:16
